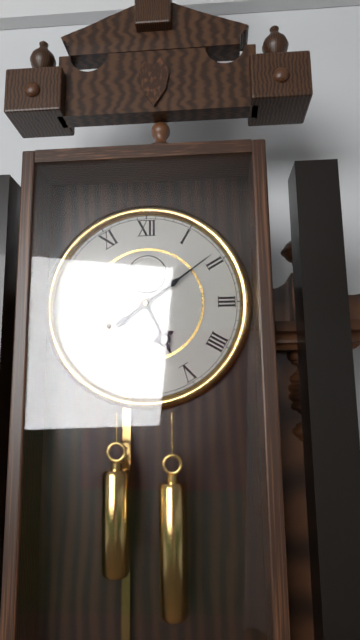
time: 5:09
